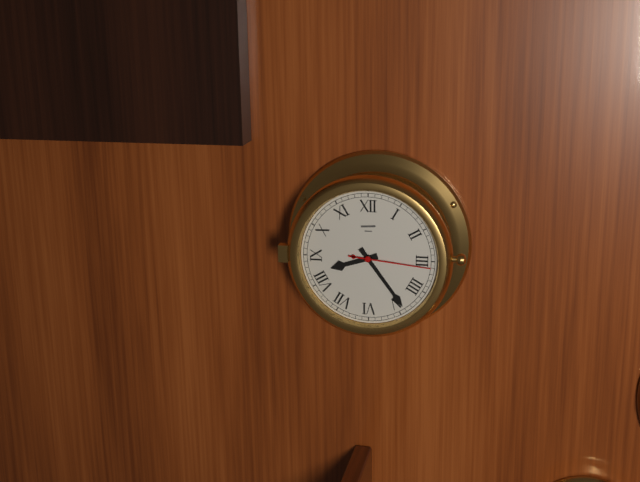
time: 8:24:16
